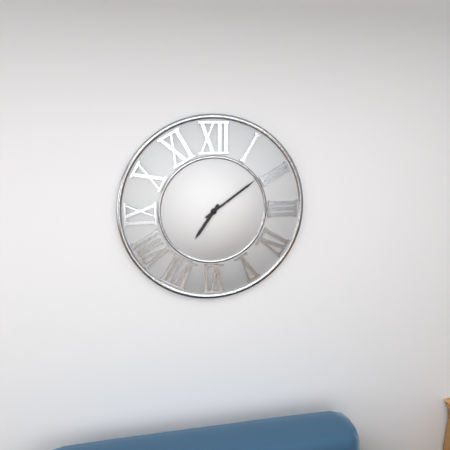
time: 7:09
